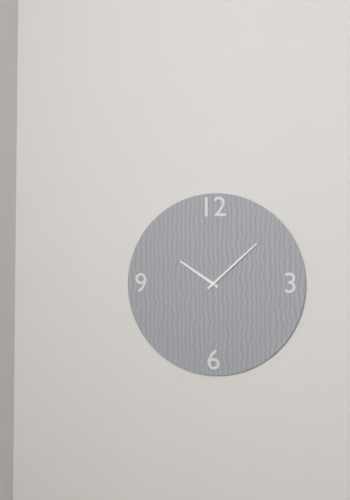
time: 10:08
